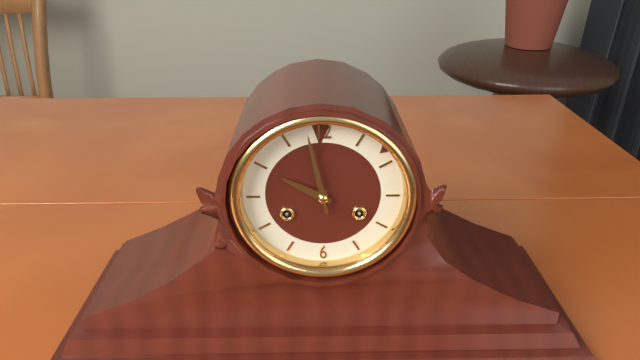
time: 9:58
